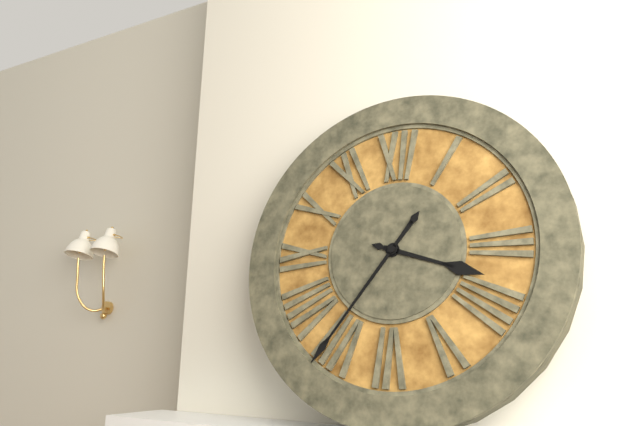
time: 3:36
